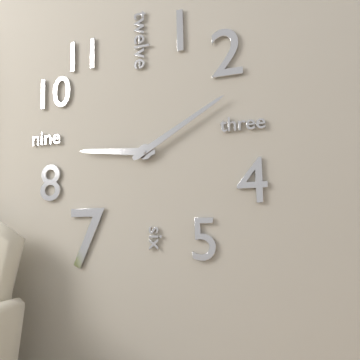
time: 9:10
